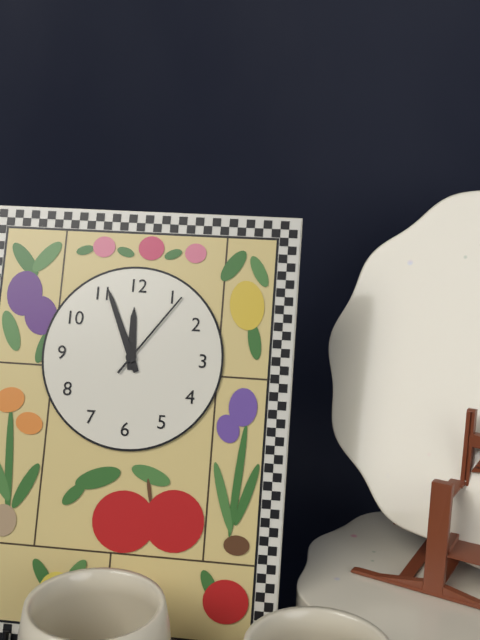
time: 11:56:06
